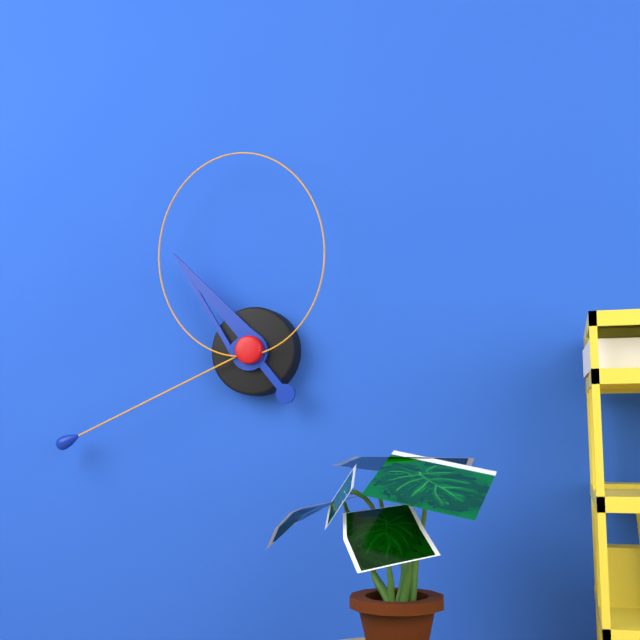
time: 10:41:59
